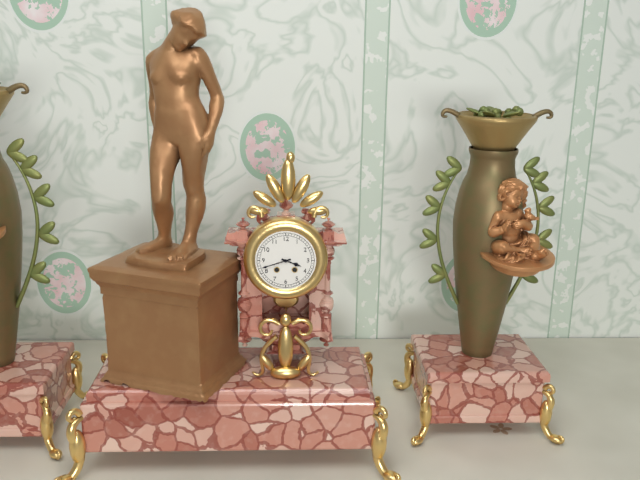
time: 3:42
